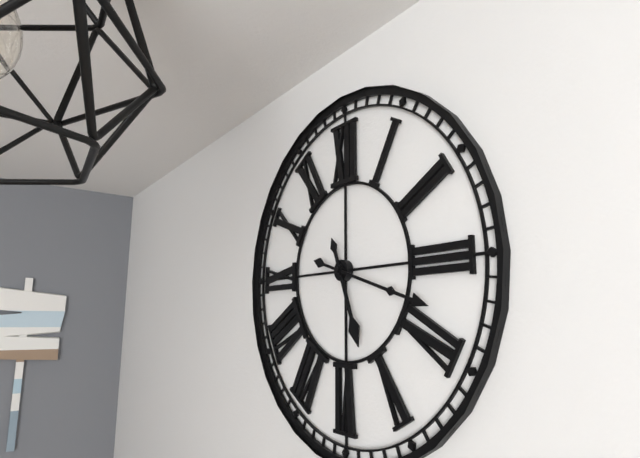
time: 5:18
